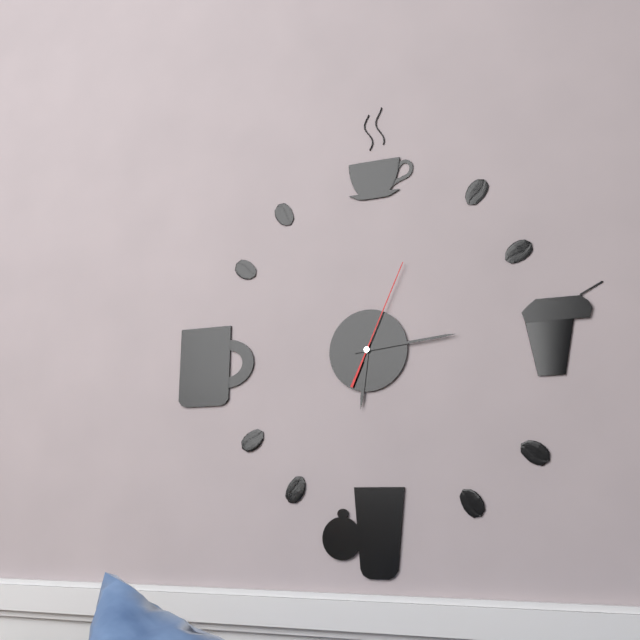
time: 6:14:04
